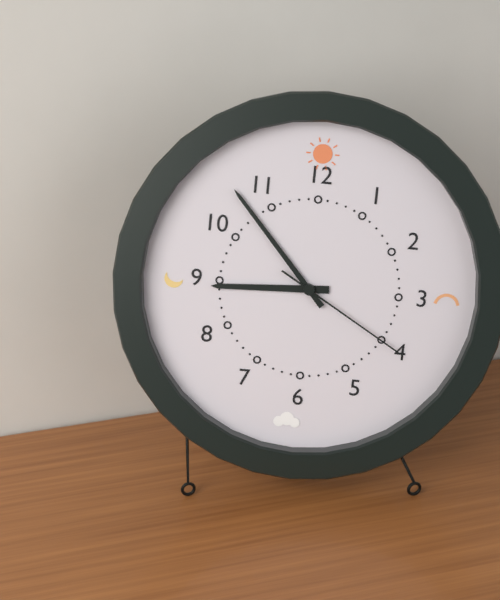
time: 8:53:20
